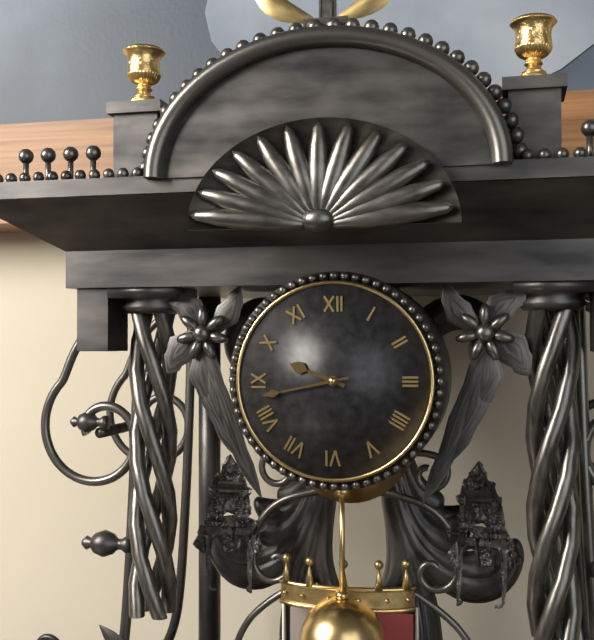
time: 9:43
